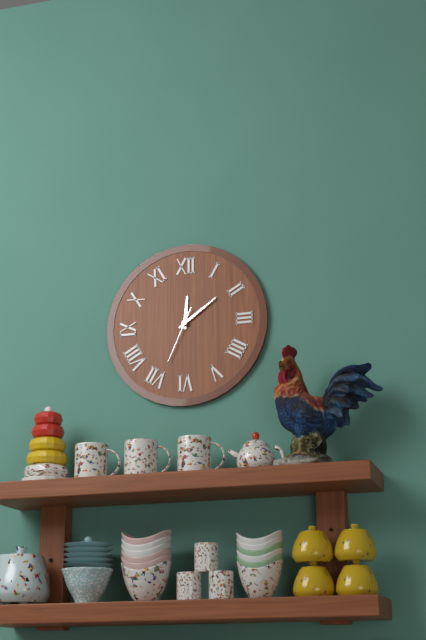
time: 12:09:34
